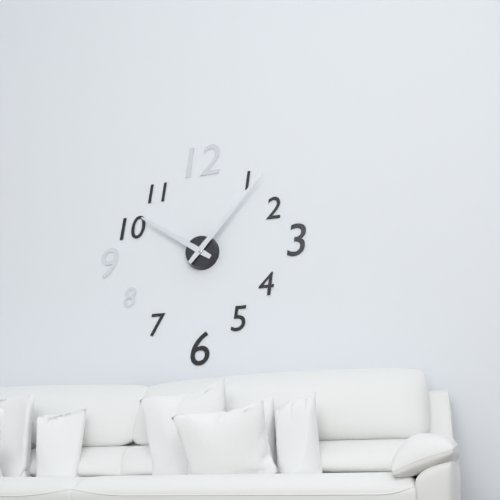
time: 10:07
